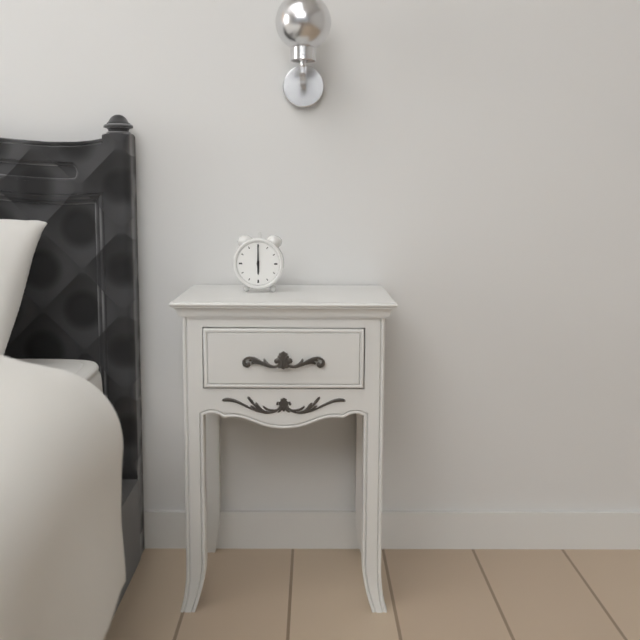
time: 6:00
